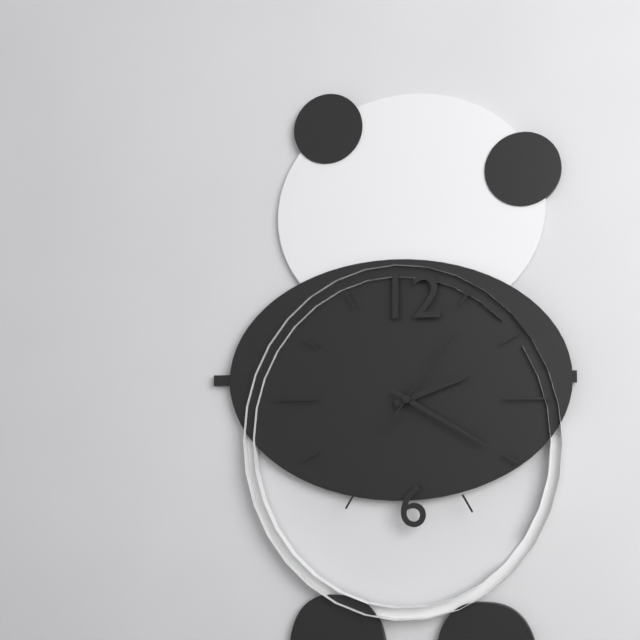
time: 2:20:06
